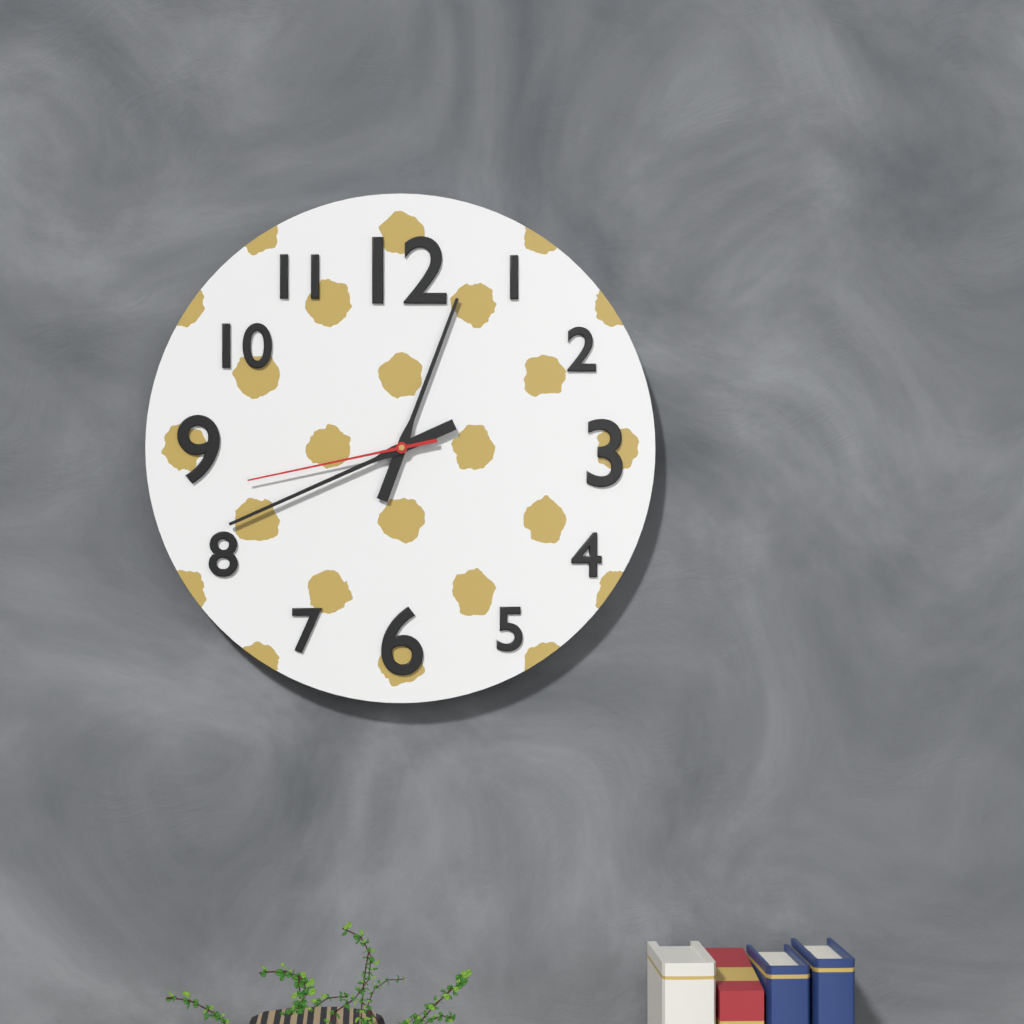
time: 12:41:43
